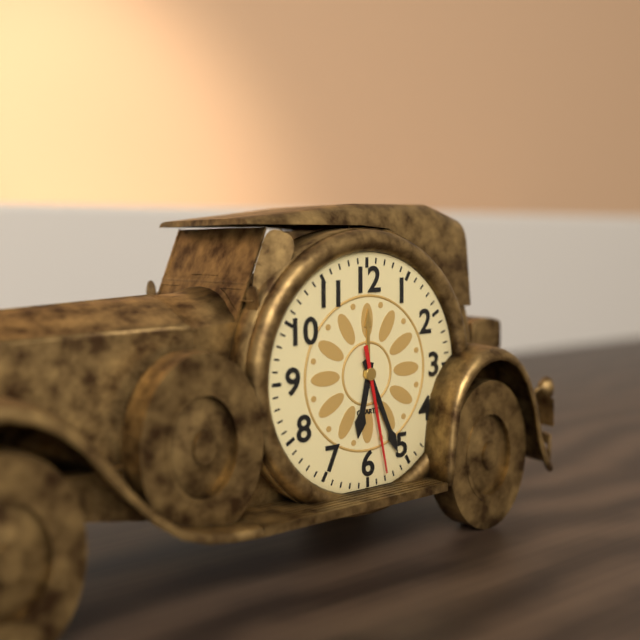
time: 6:26:28
